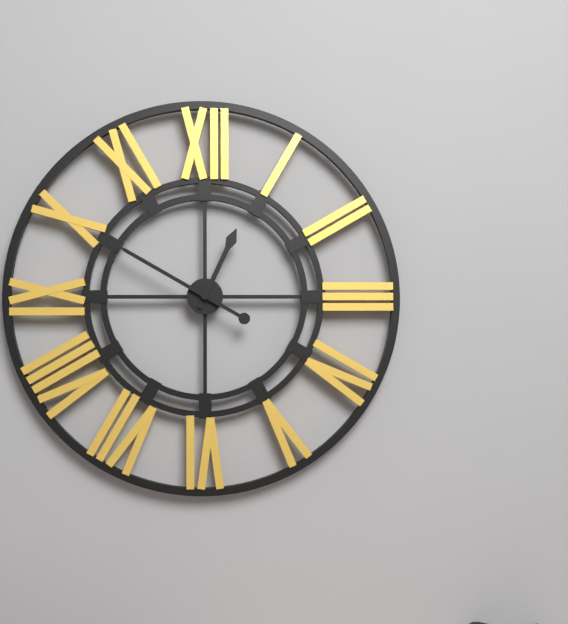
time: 12:50
